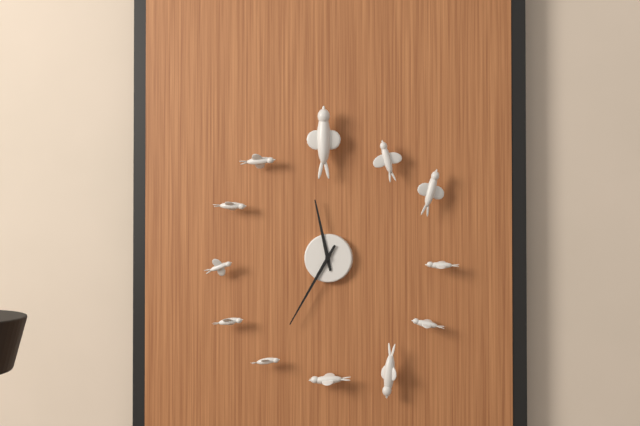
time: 11:35
